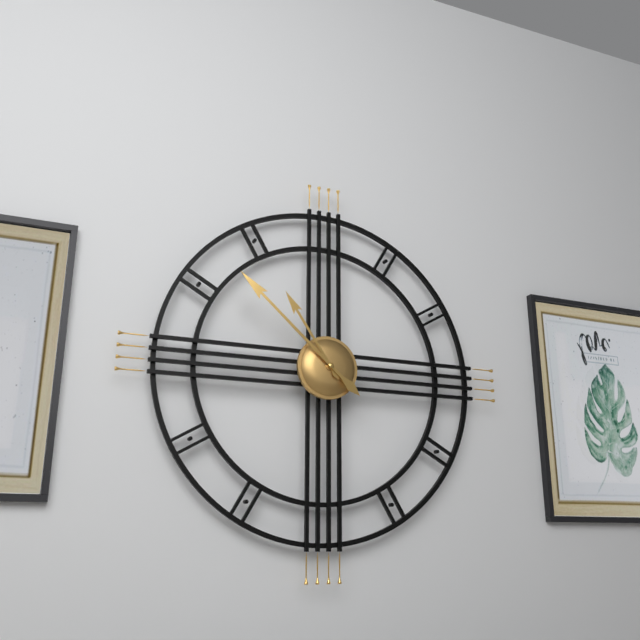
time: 10:52
